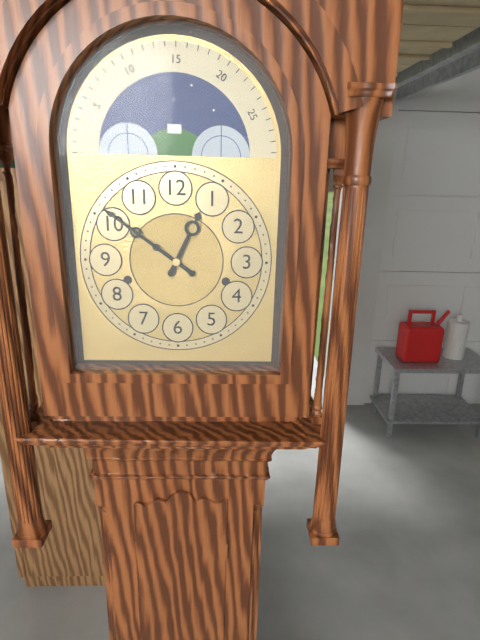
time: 12:51
